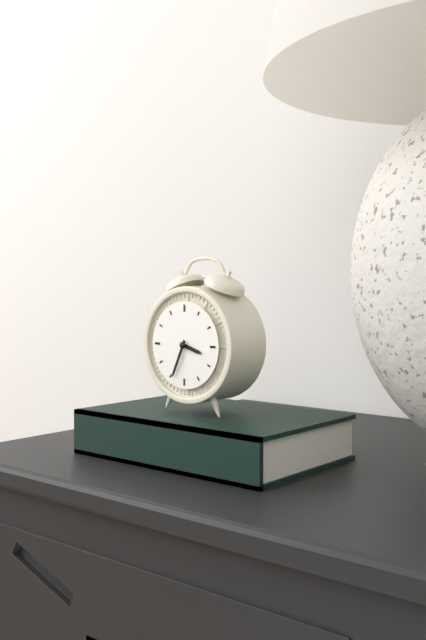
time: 3:34
